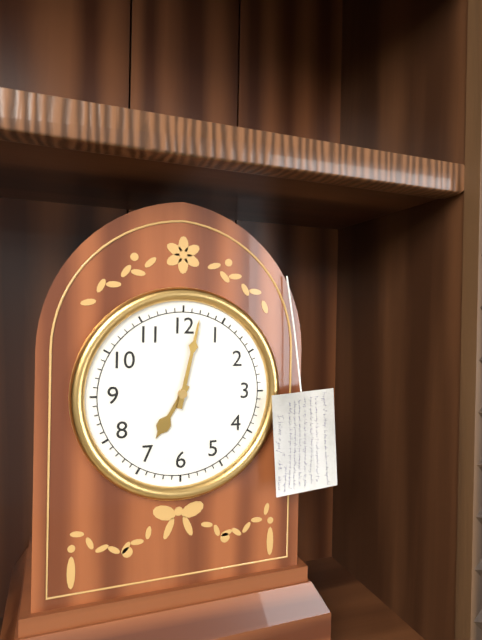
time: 7:02
